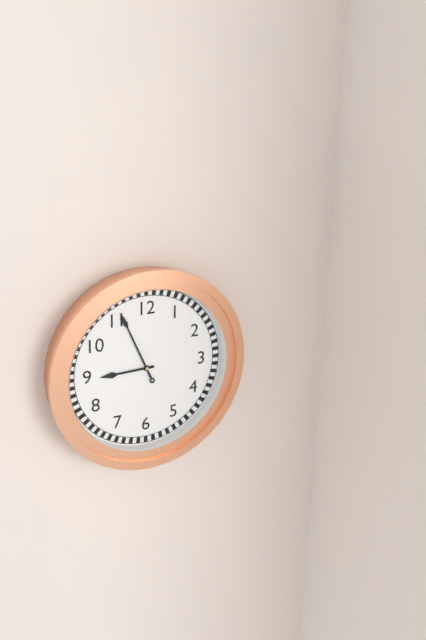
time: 8:56
